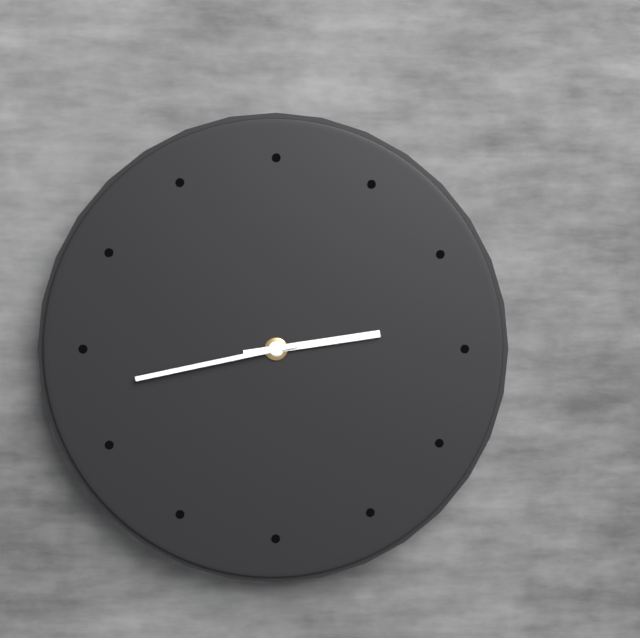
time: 2:43
